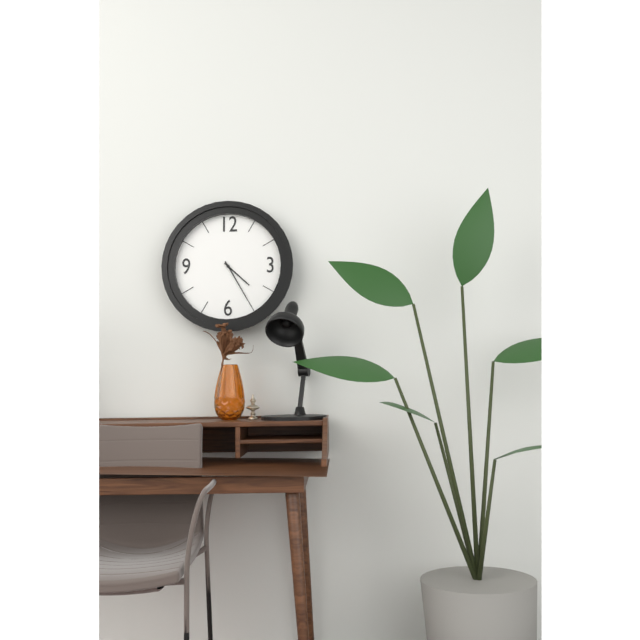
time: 4:25
